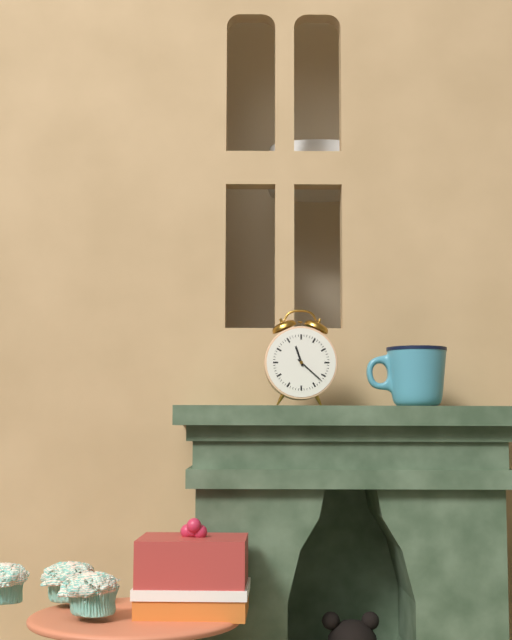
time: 11:22
